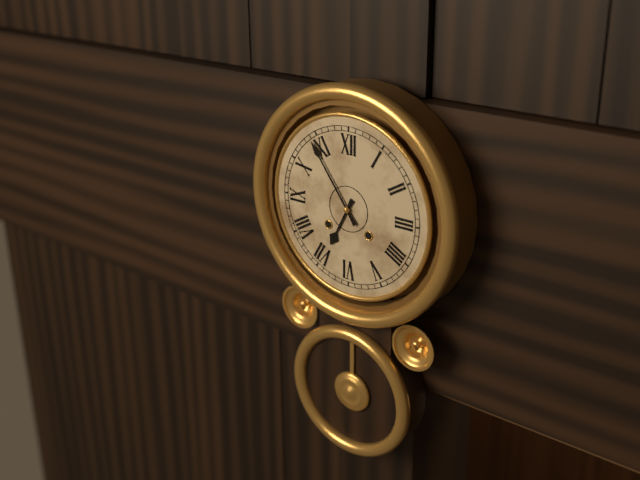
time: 6:54
